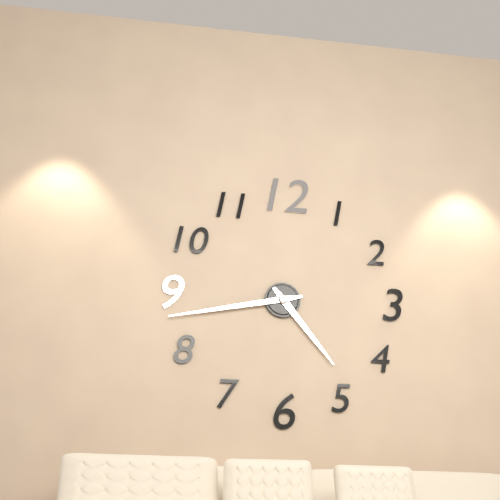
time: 4:43
